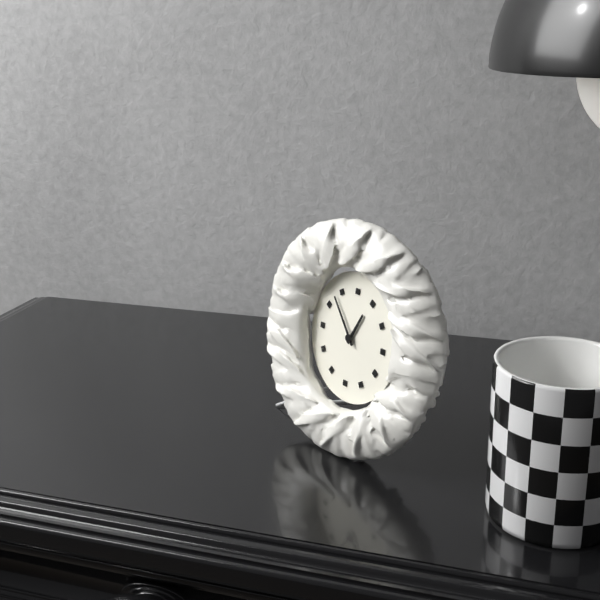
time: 12:53
